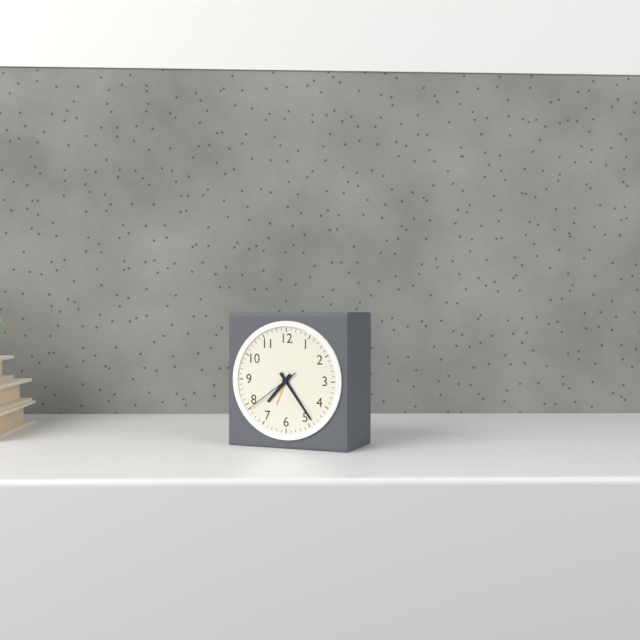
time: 7:24:39
